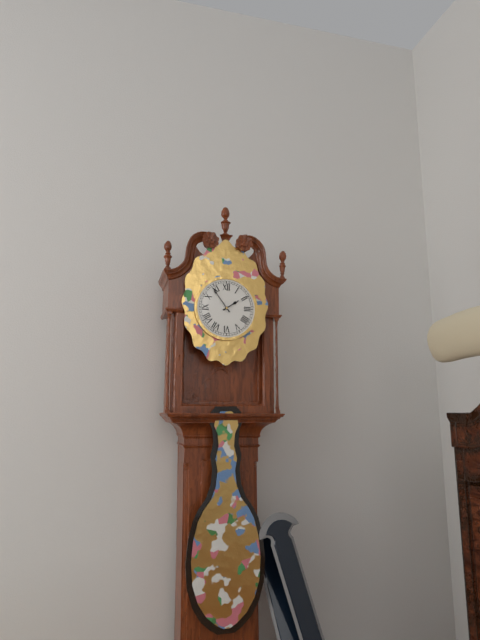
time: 1:54
